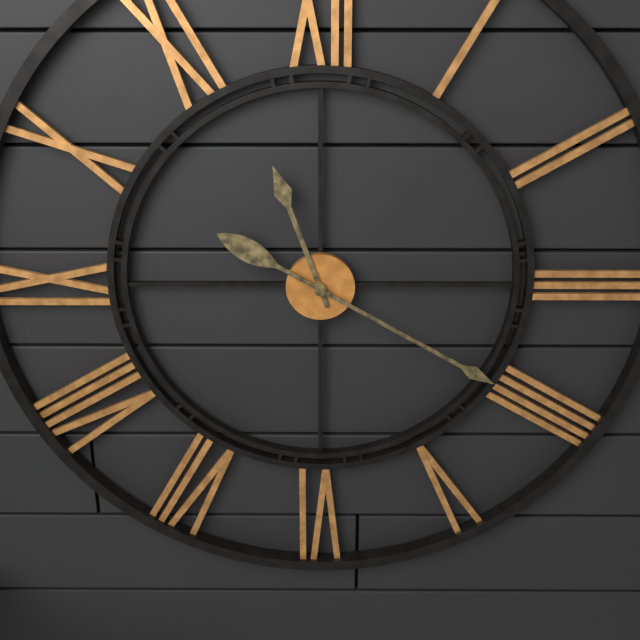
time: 11:20
